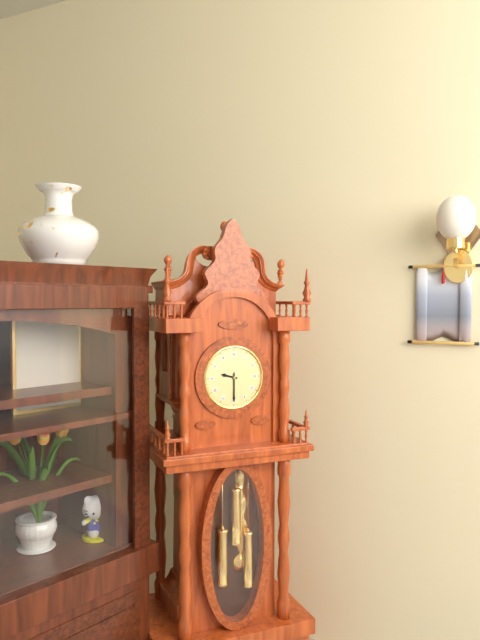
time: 9:30
